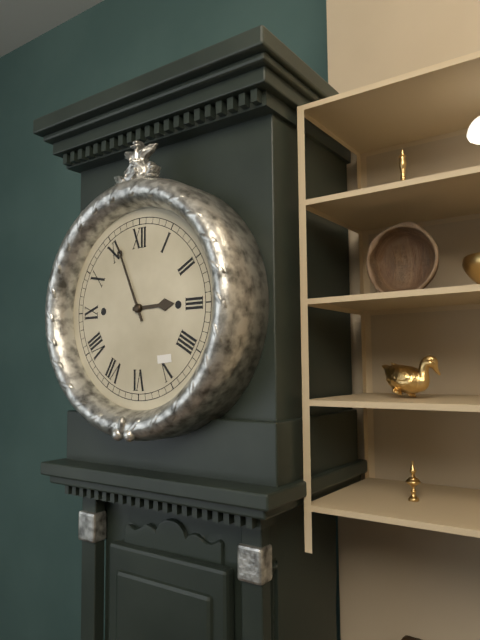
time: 2:56
